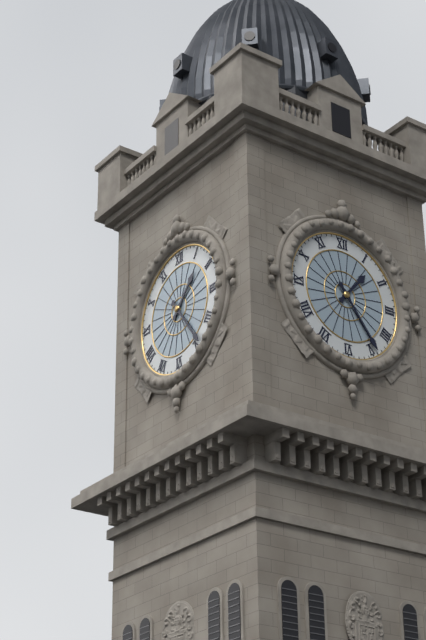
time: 1:24
